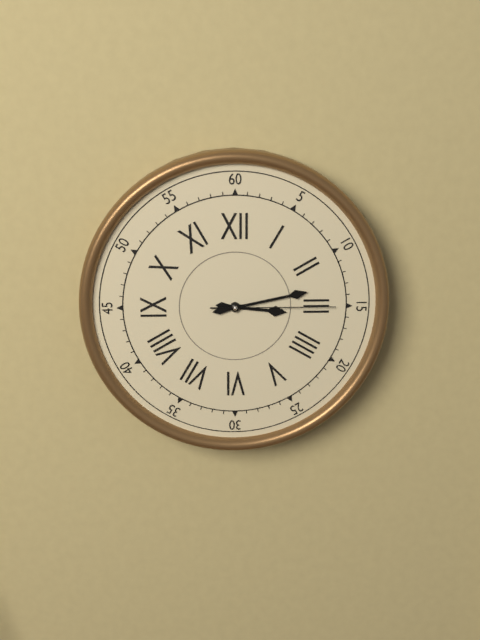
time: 3:13:15
